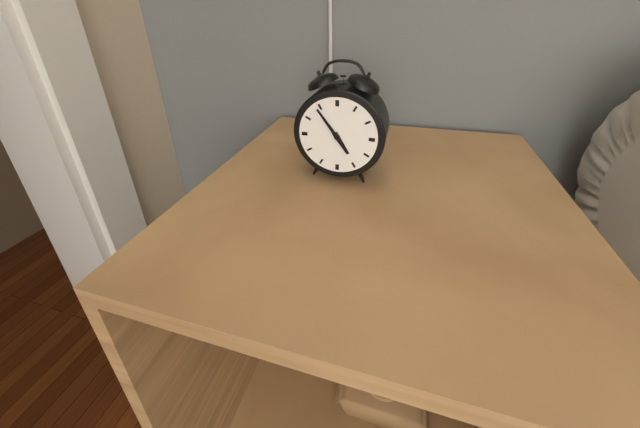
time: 4:54
